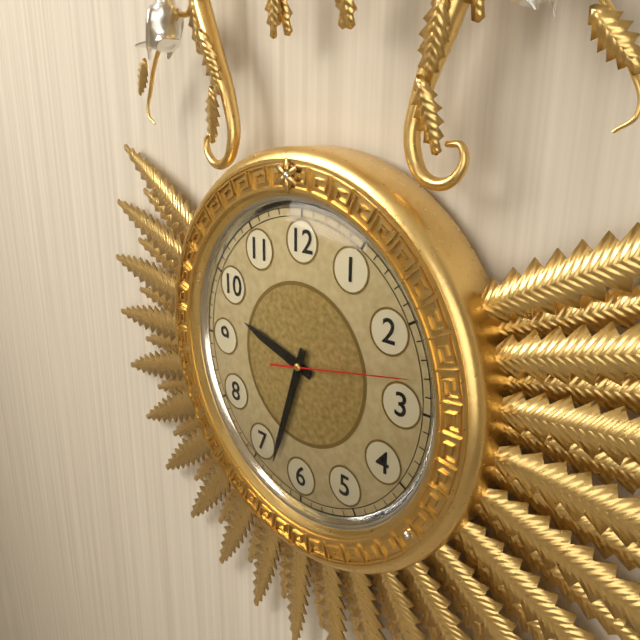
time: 9:33:13
